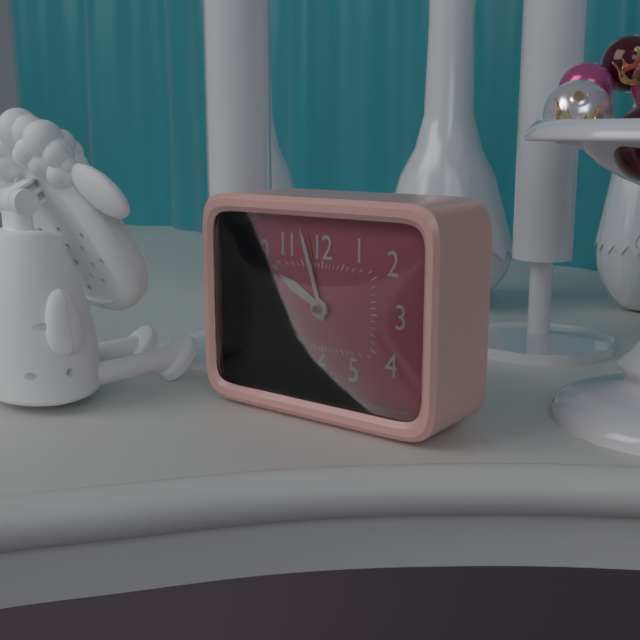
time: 9:57
